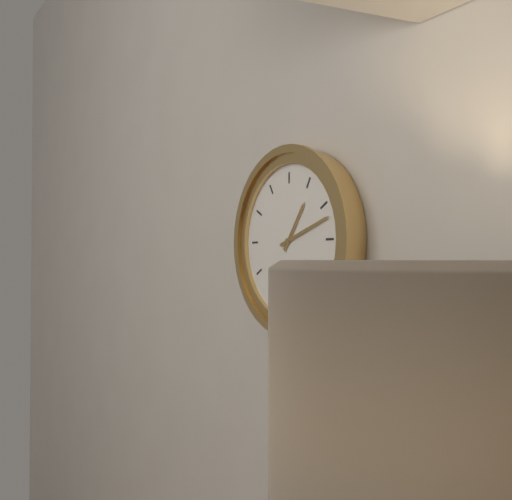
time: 1:12
